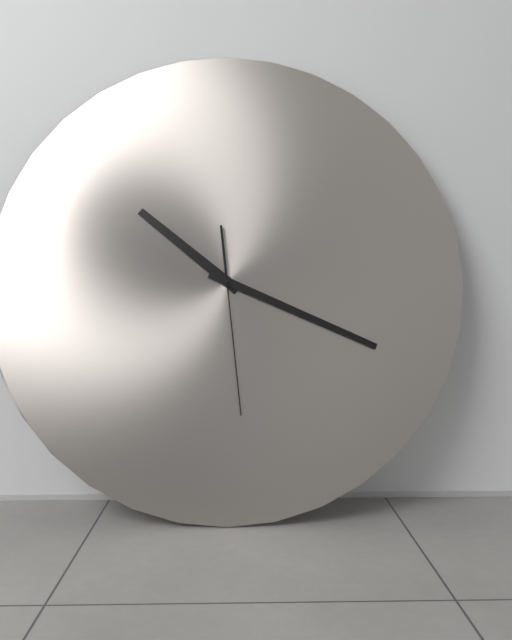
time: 10:19:29
